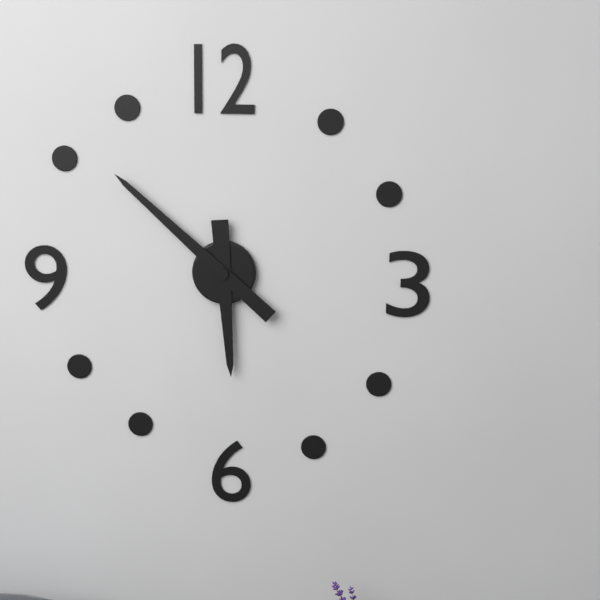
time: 5:52
